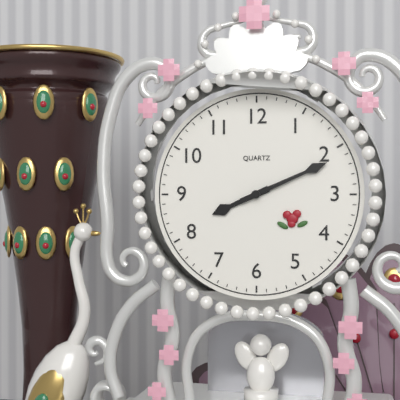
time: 8:11
